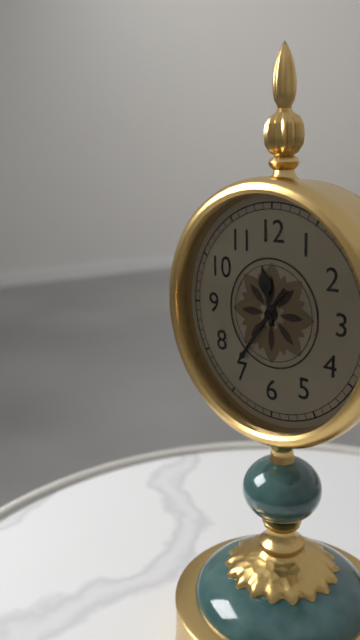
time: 11:36
